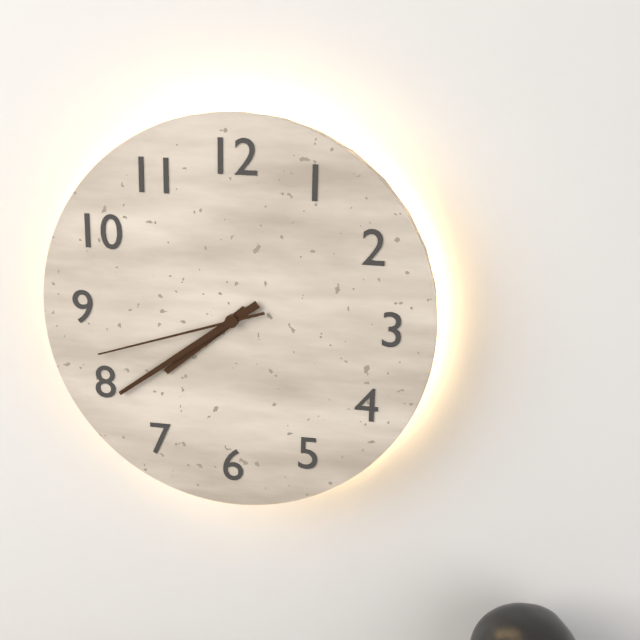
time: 7:39:42
